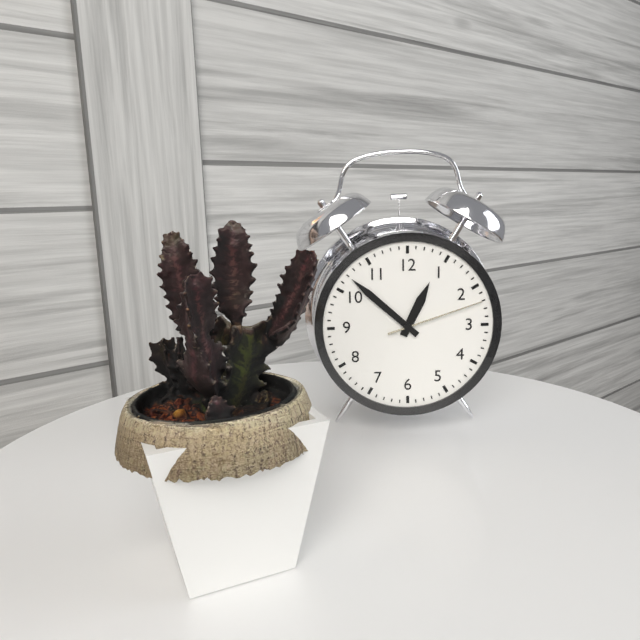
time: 12:52:12
